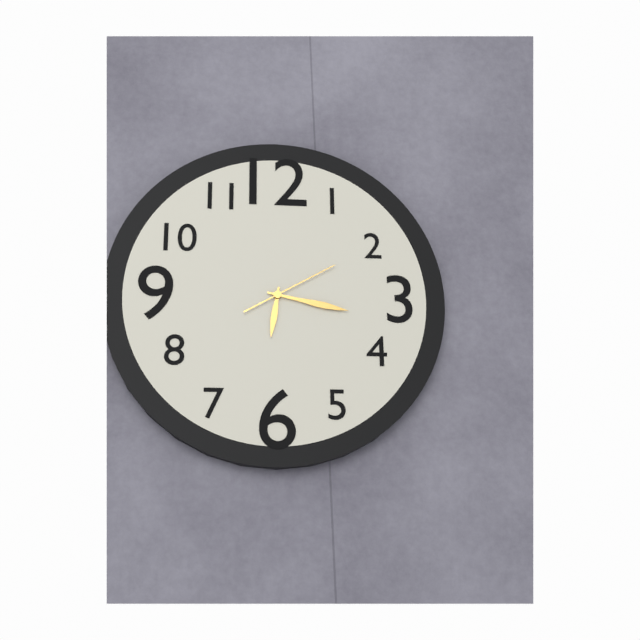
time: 6:17:10
